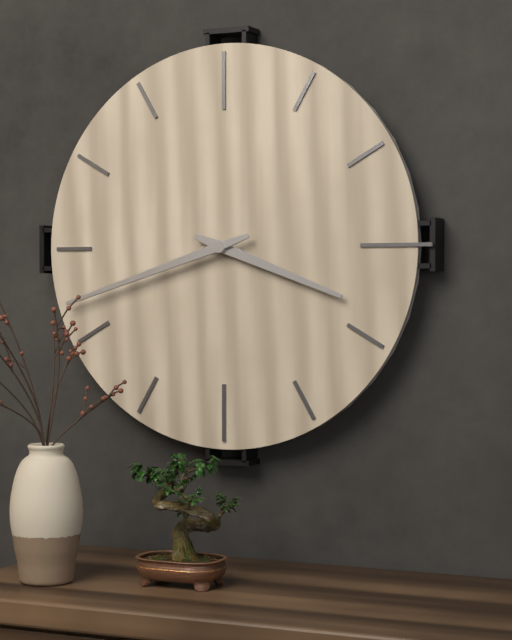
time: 3:42
